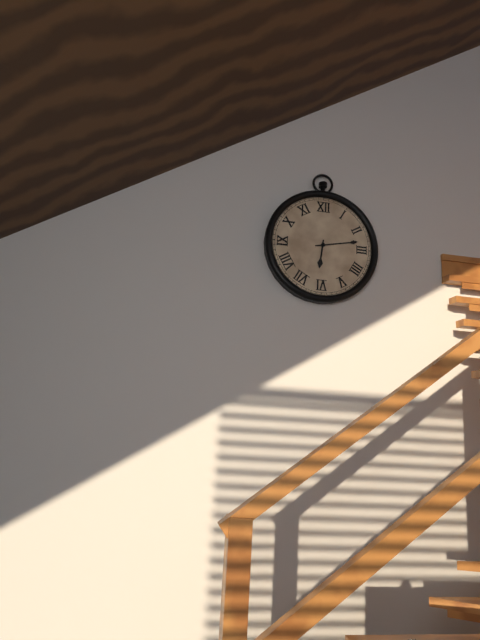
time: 6:13
